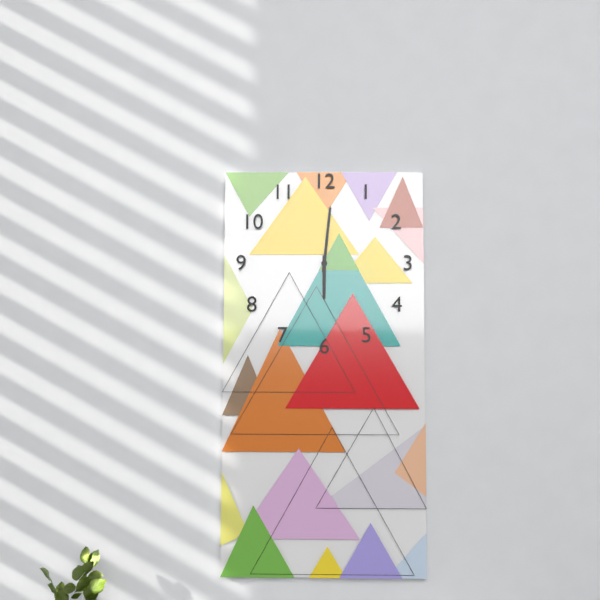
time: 6:01
